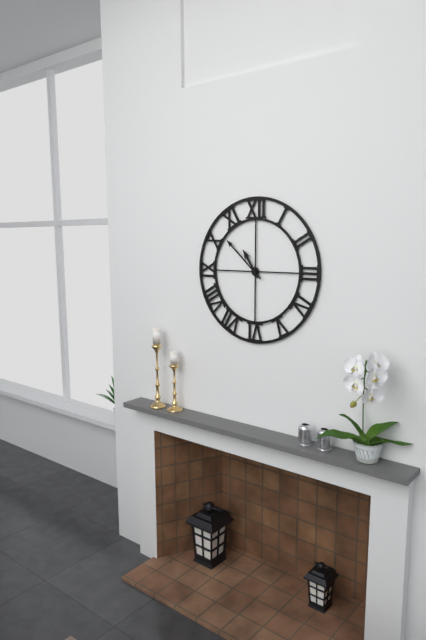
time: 10:52
